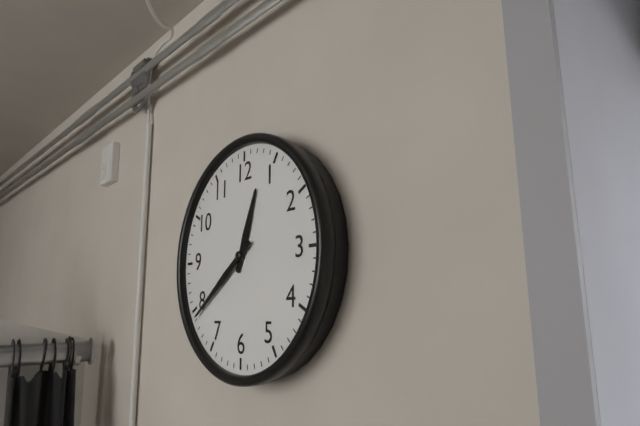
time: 12:39
